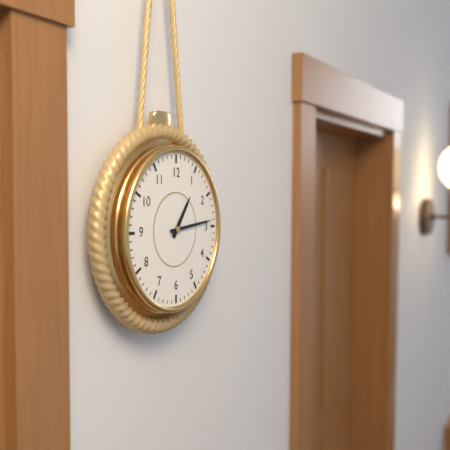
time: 1:14
